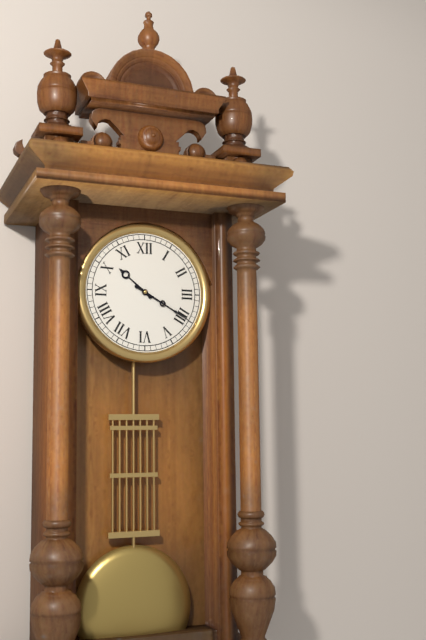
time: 10:20
